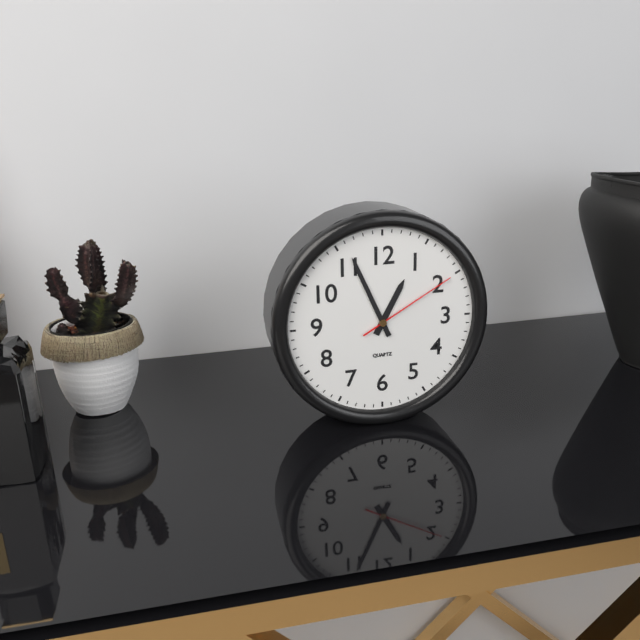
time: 12:56:10
